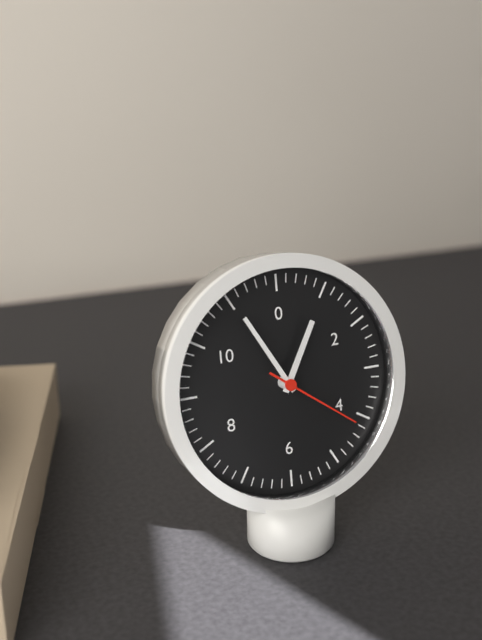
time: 12:55:21
